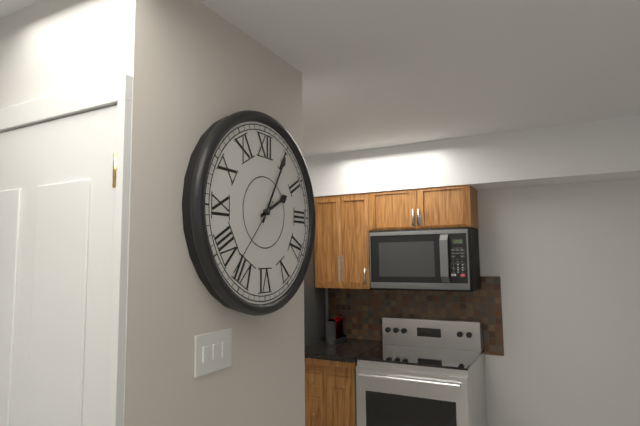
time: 2:05:37
